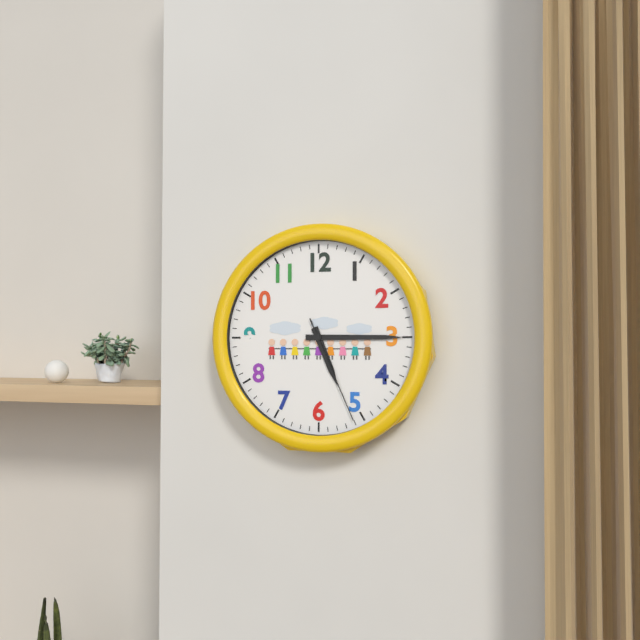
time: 5:15:26
